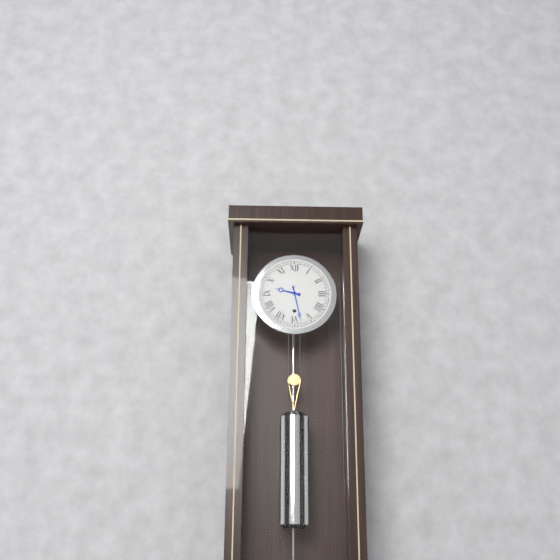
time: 9:28
